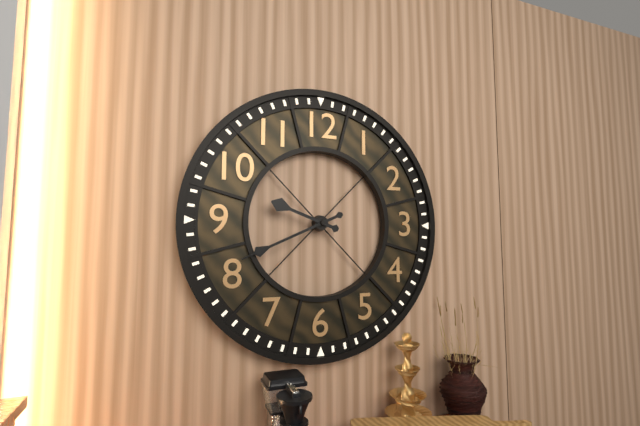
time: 9:41
